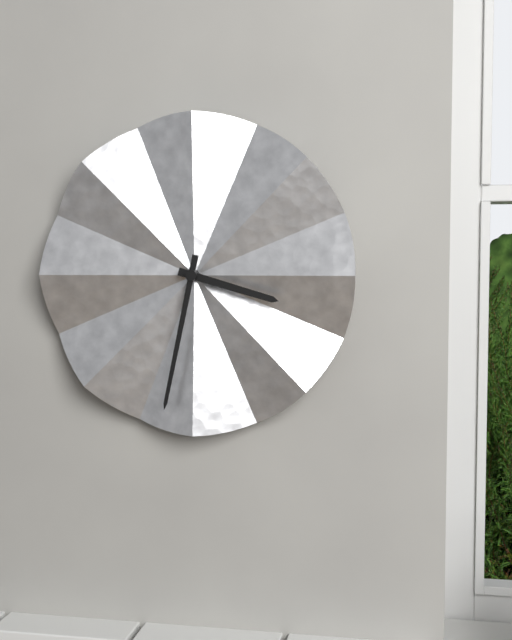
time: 3:32
